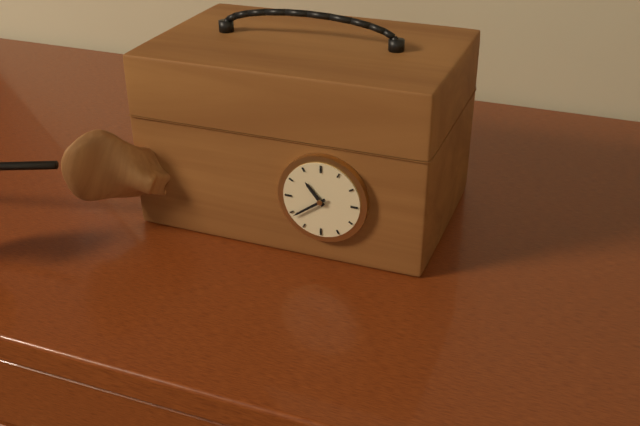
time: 10:39
